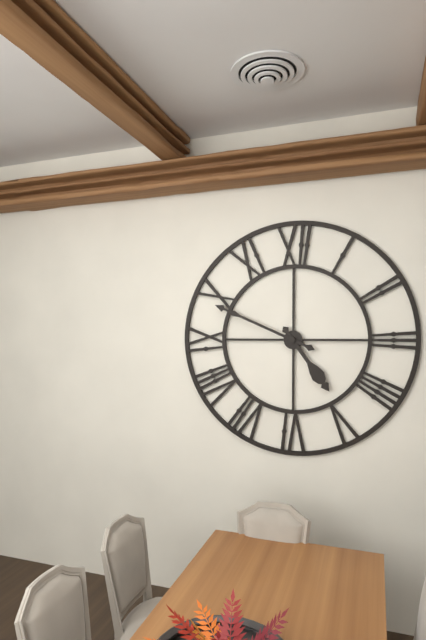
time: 4:49
